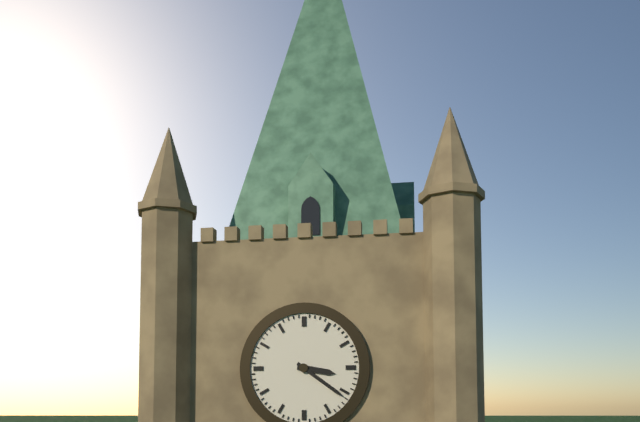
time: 3:21
